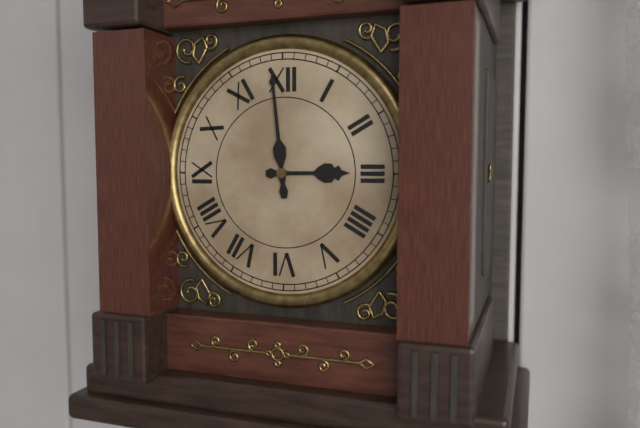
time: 2:59
